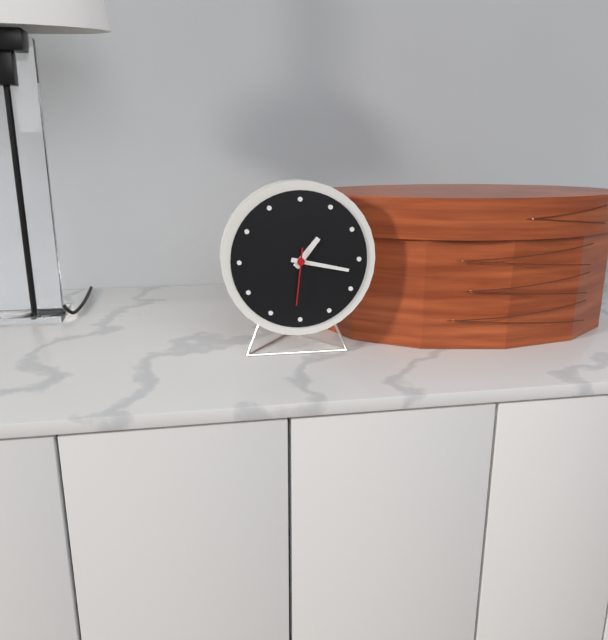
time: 1:17:31
